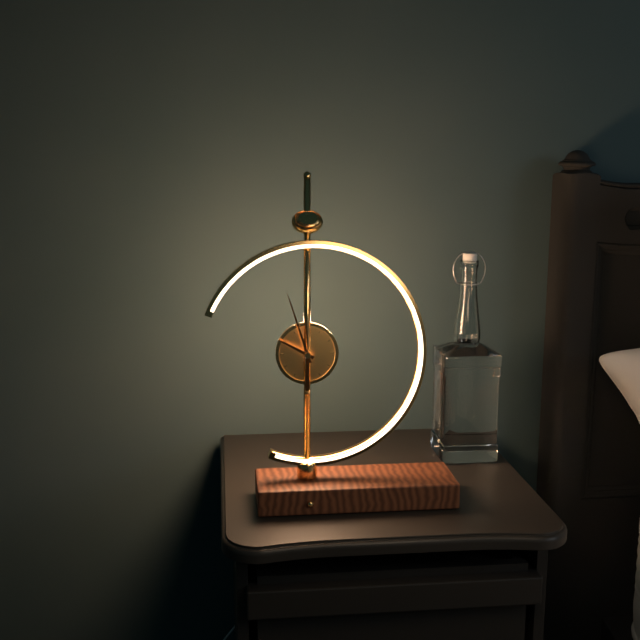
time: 9:57
